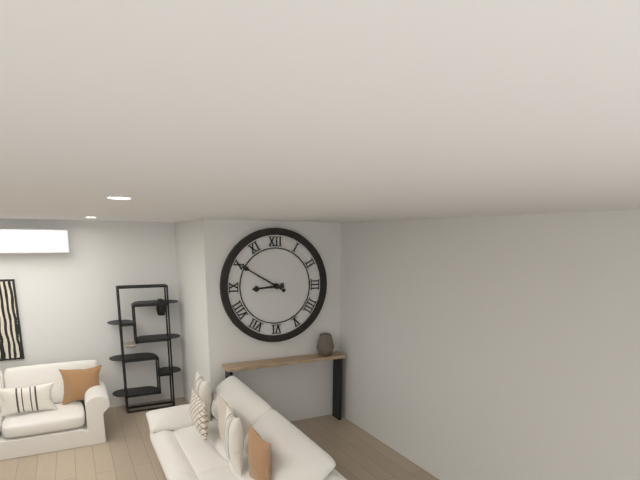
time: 8:50
